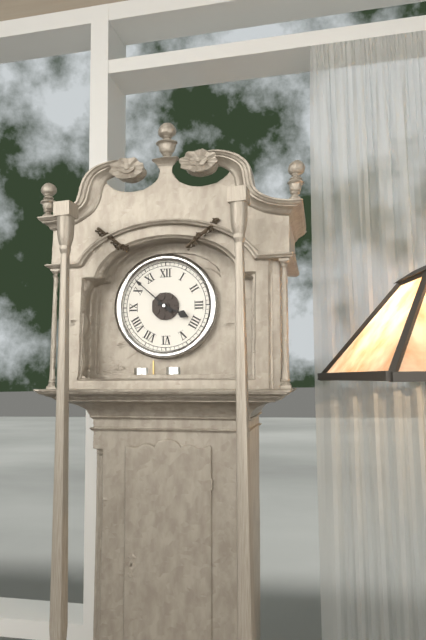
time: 3:52
